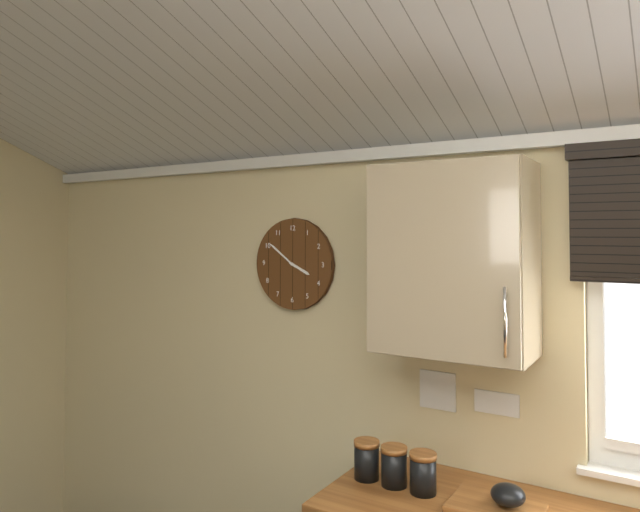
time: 3:51
